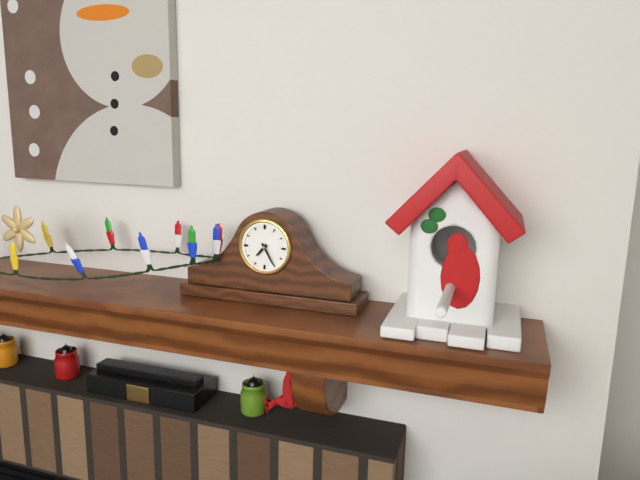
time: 7:25
